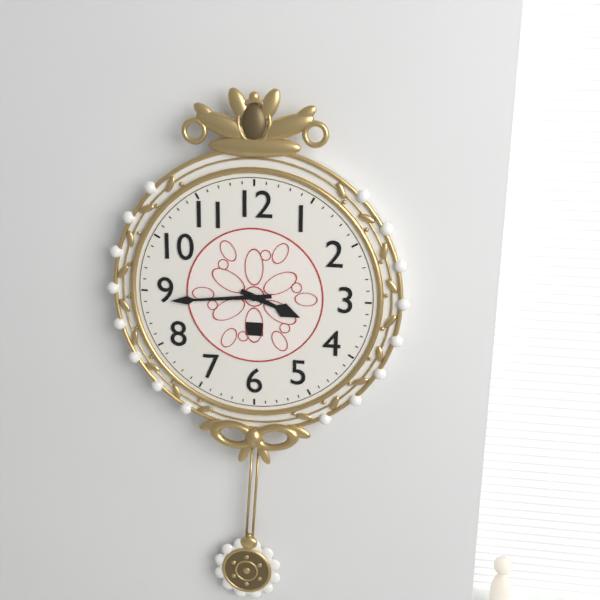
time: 3:44
